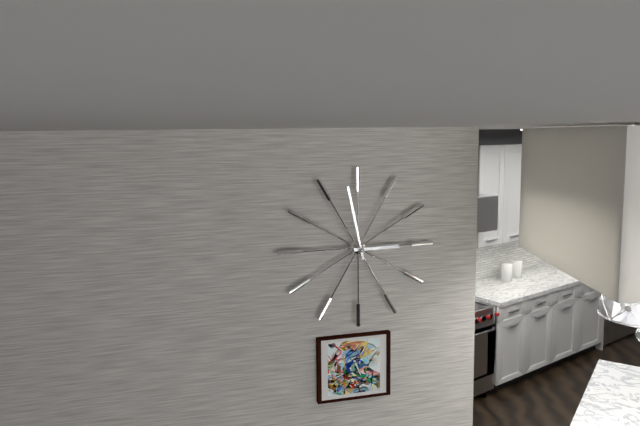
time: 2:58
